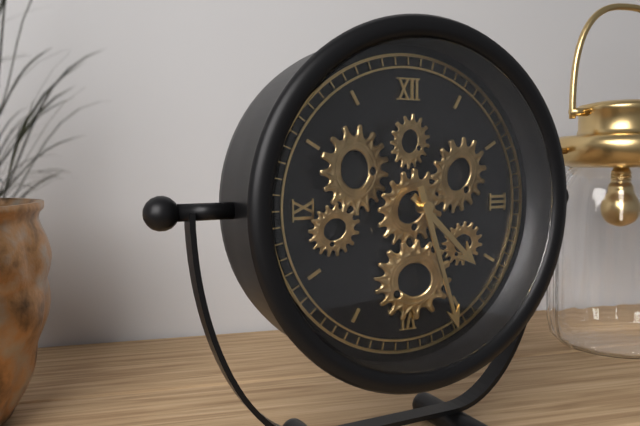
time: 4:27
